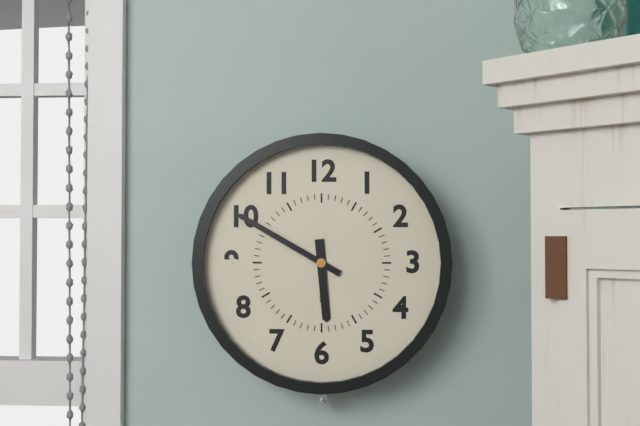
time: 5:50
